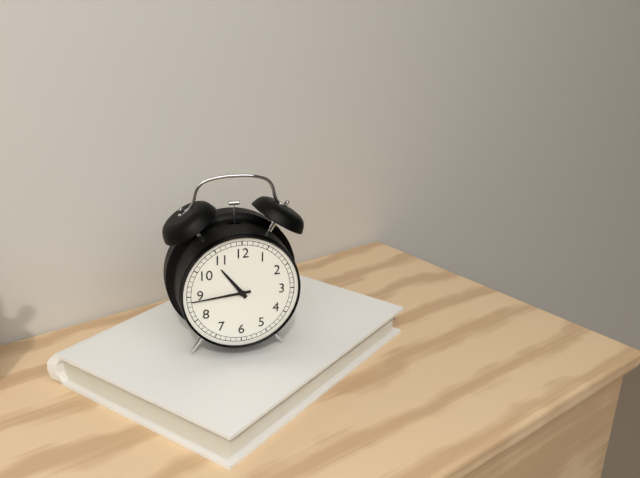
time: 10:44
